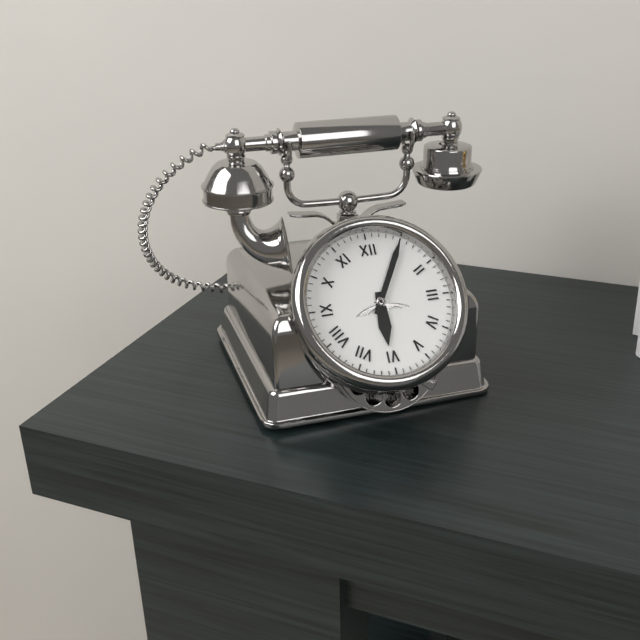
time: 6:05
